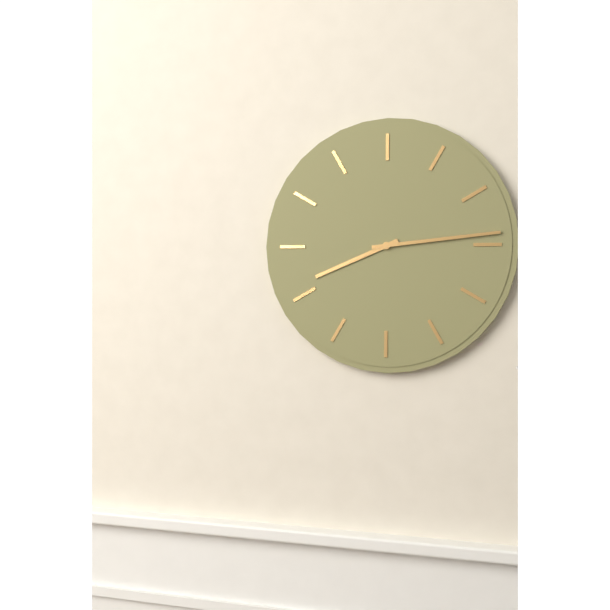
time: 8:14
